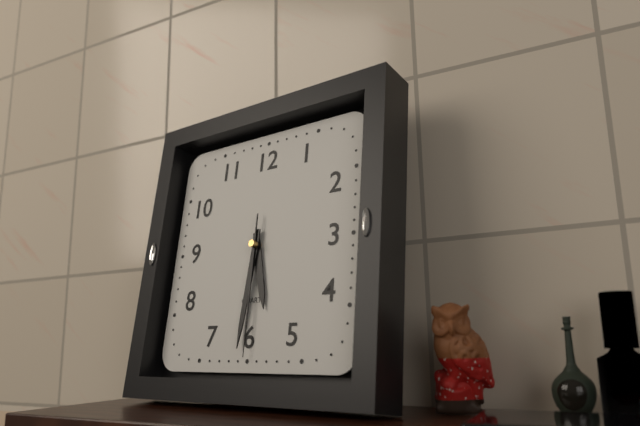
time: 5:31:30
